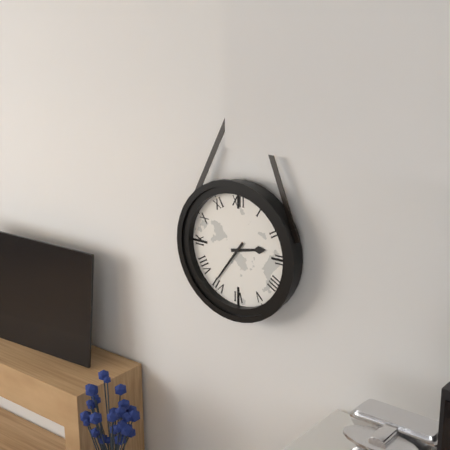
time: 2:36
